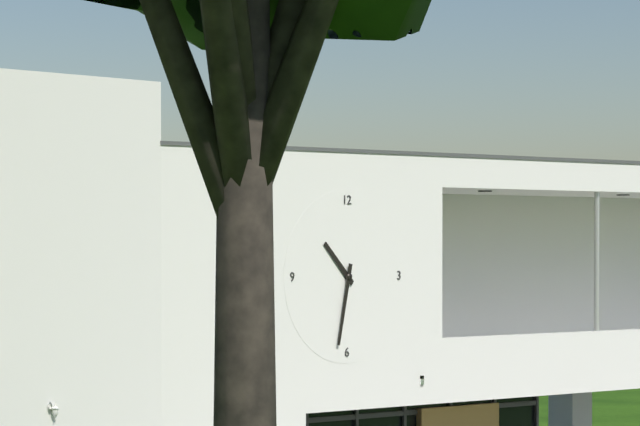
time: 10:32
